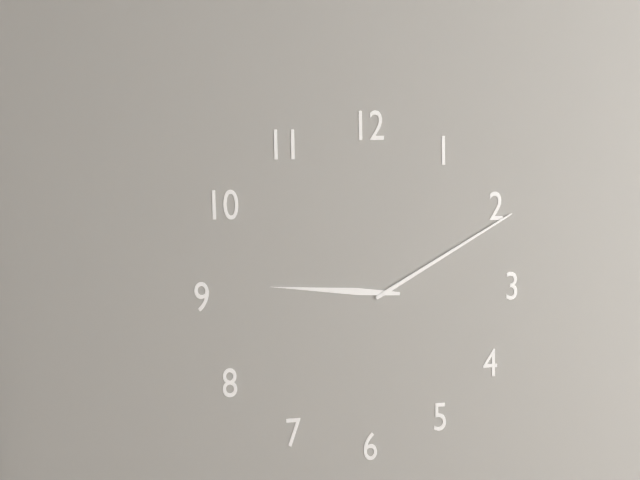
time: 9:10
